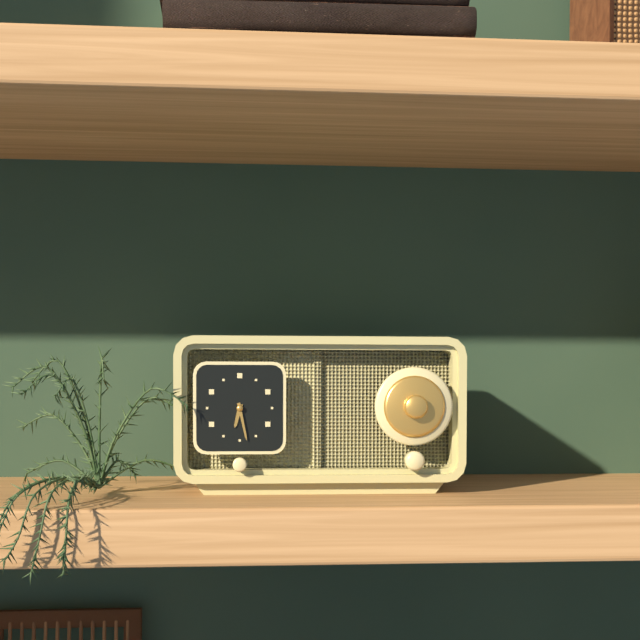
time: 6:28
